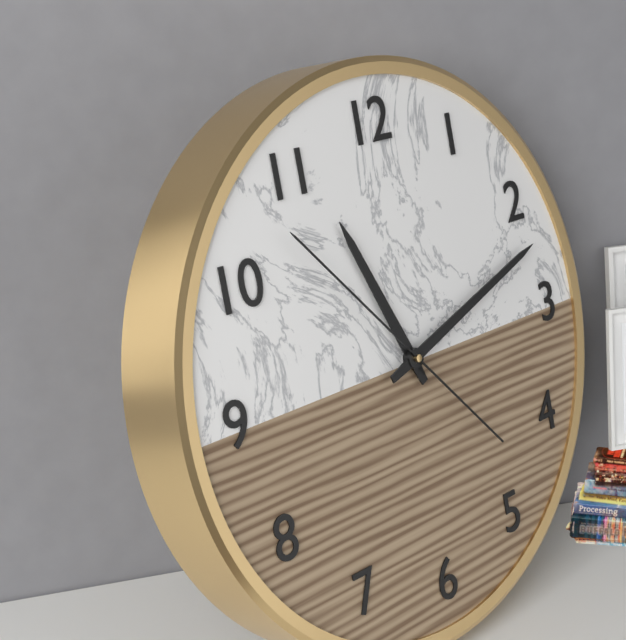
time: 11:12:53
